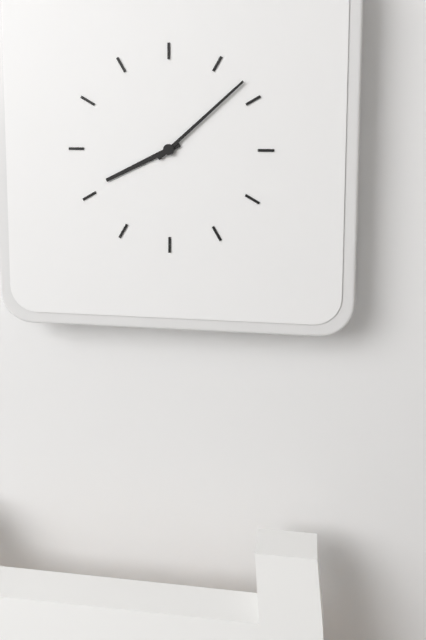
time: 8:08
